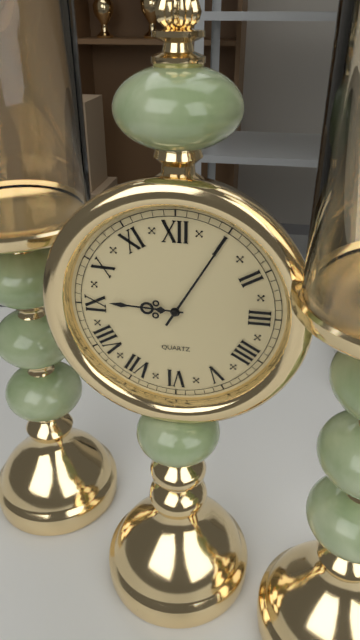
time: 9:05
